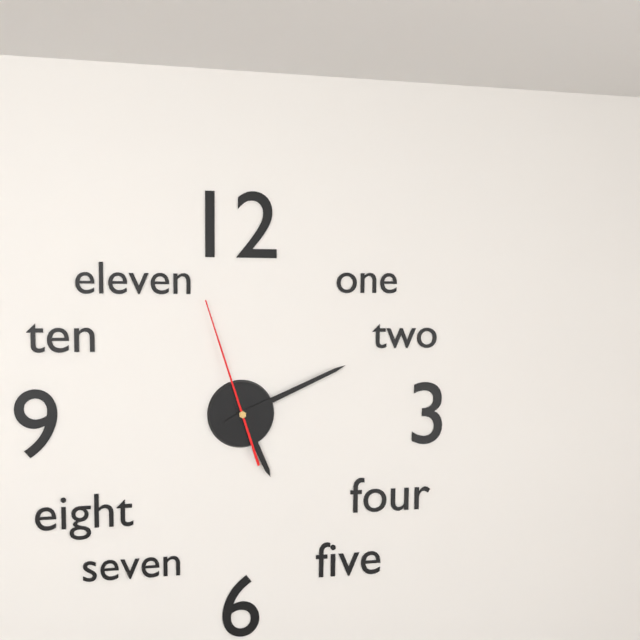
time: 5:11:57
